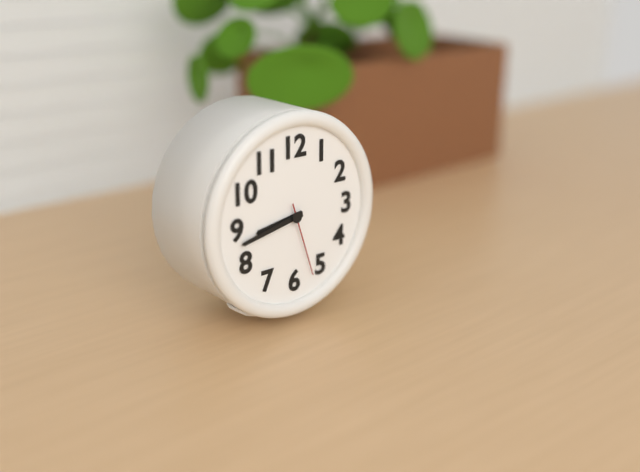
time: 8:43:27
